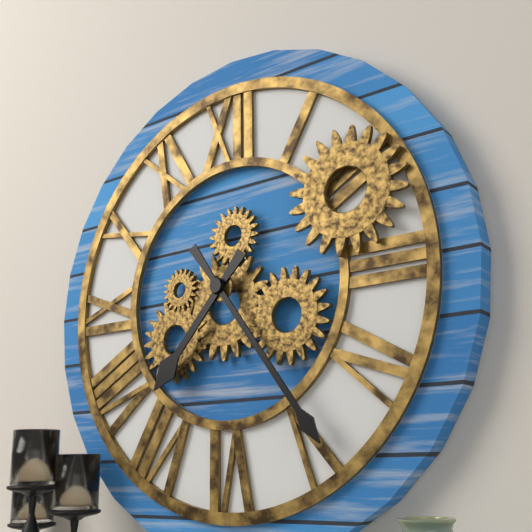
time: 7:24
